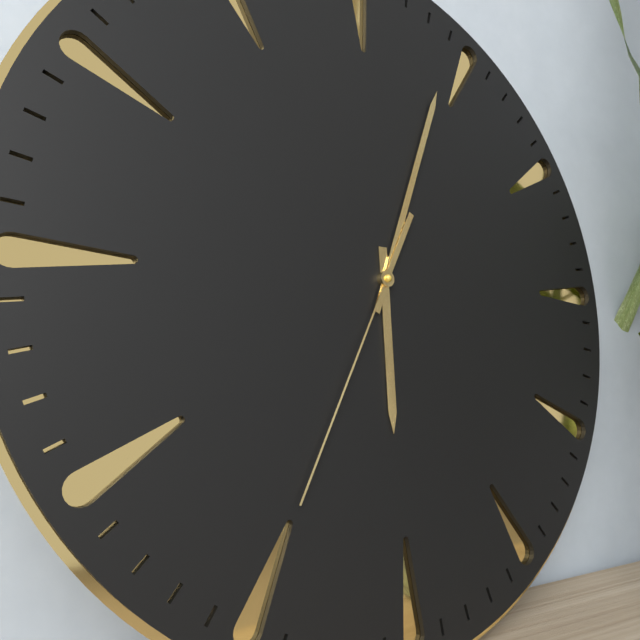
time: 6:04:35
